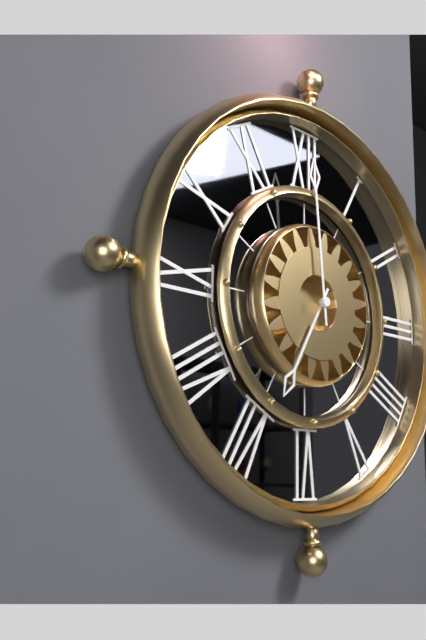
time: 6:59
